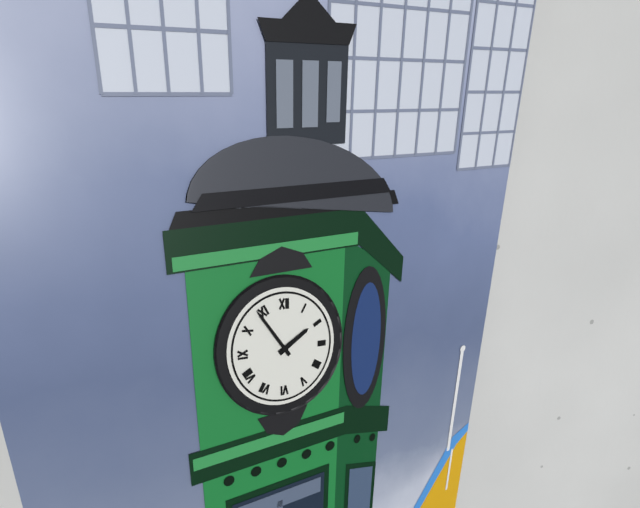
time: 1:54
